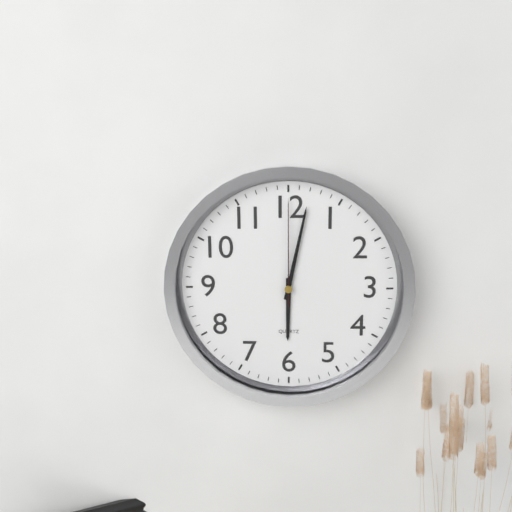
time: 6:02:00
